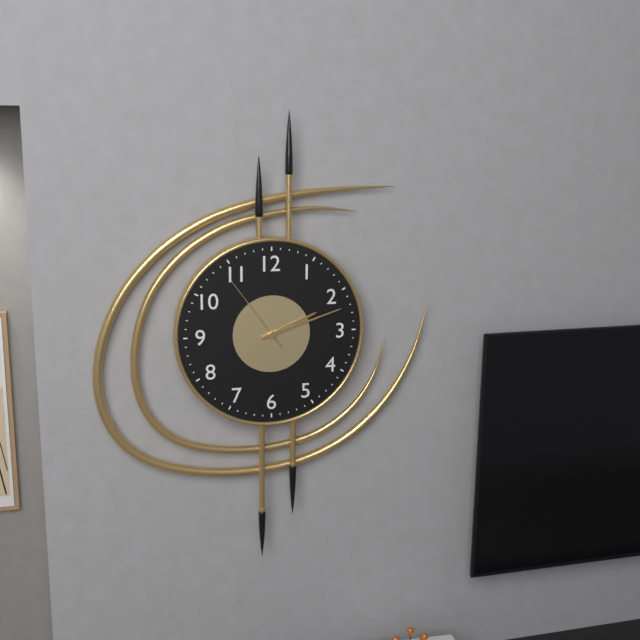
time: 2:12:54
